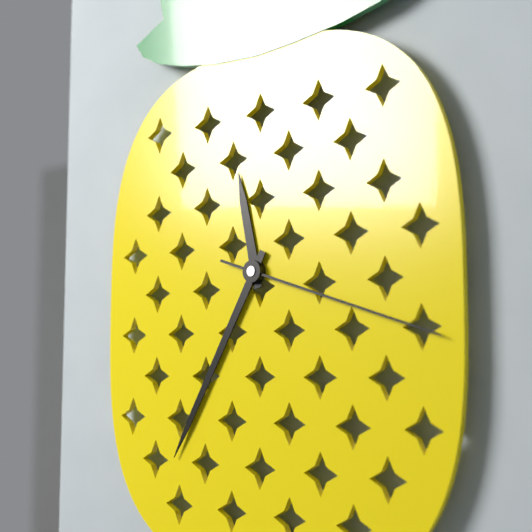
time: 11:35:18
